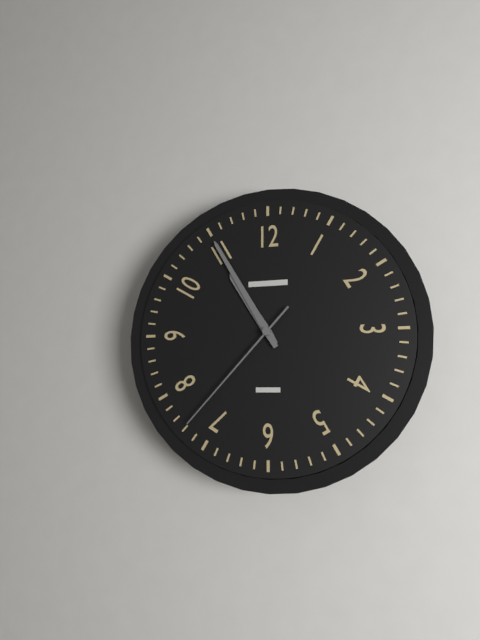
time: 10:55:37
